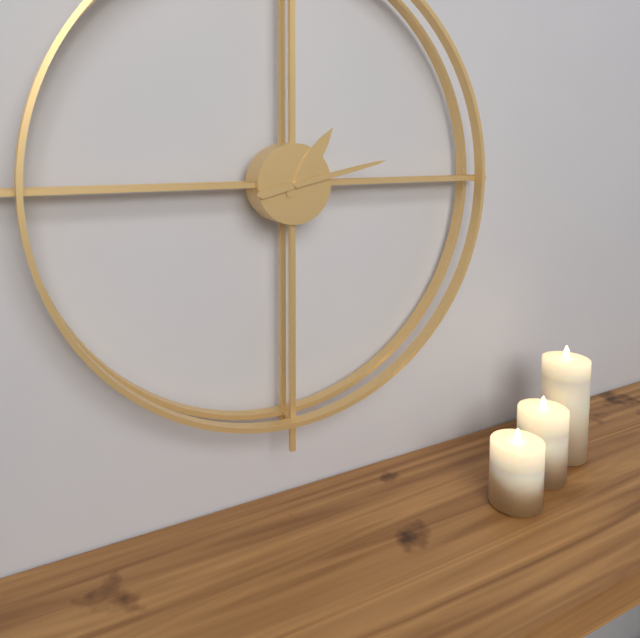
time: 1:13
